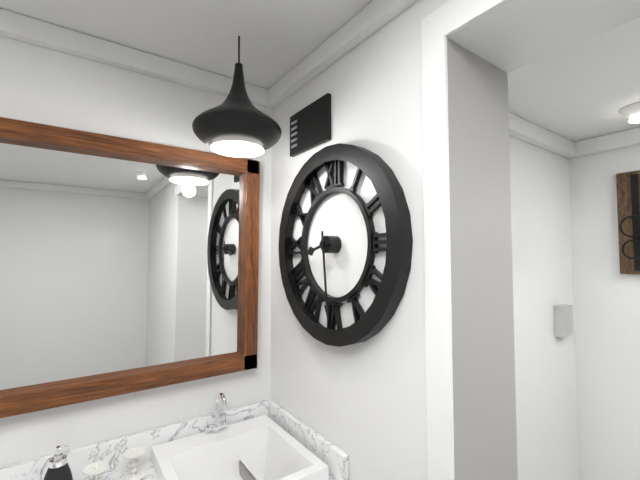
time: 8:29
